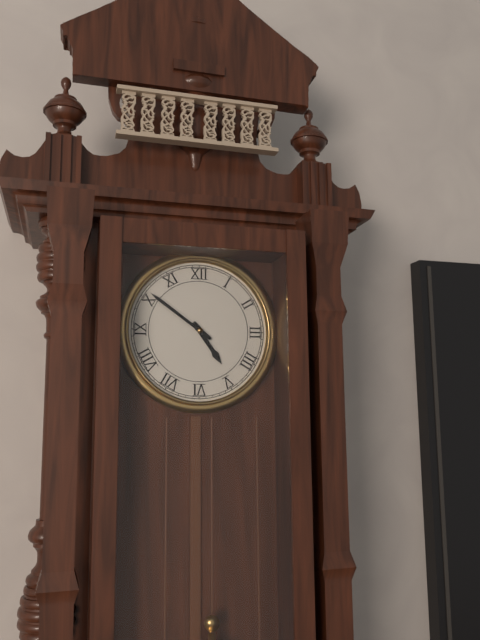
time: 4:51
